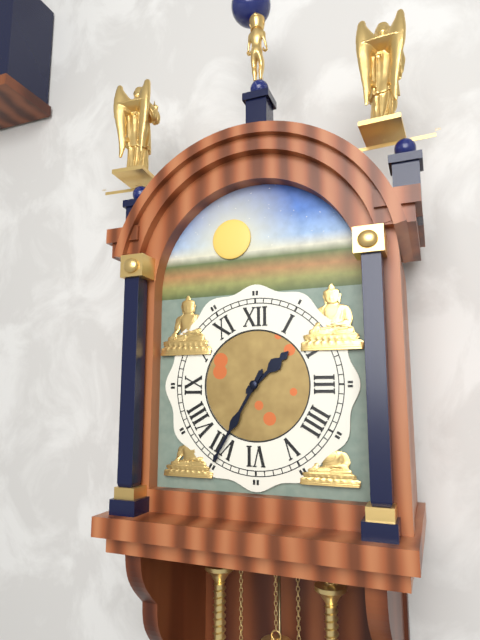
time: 1:35
